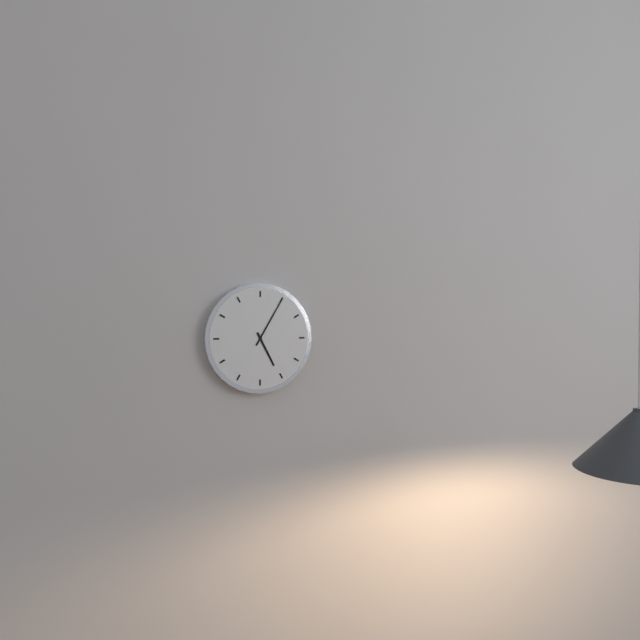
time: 5:05
